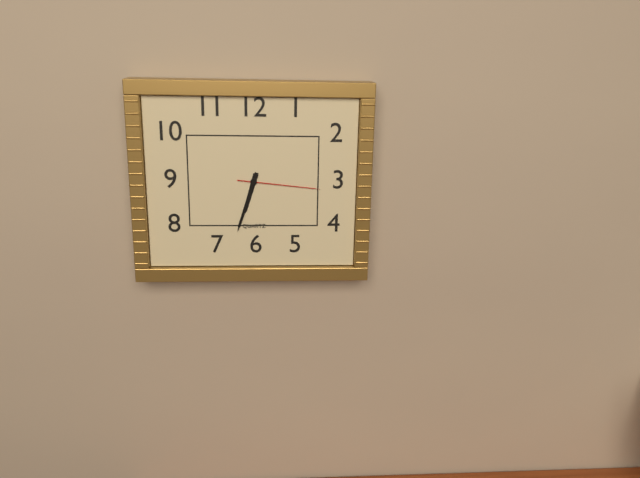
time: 6:33:16
